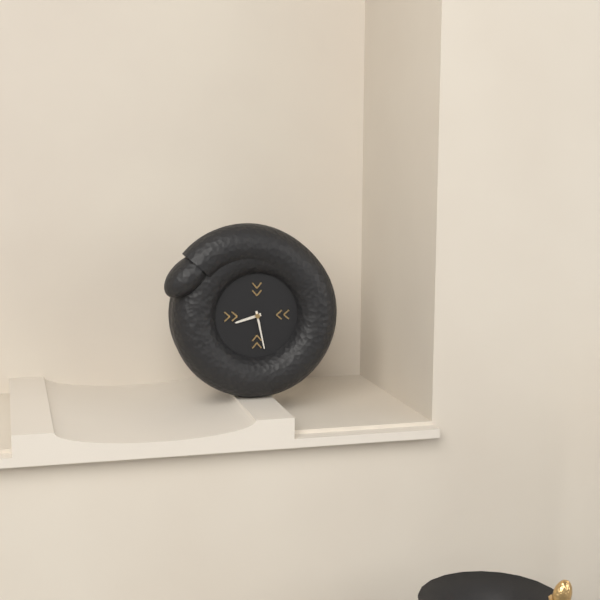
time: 8:28
